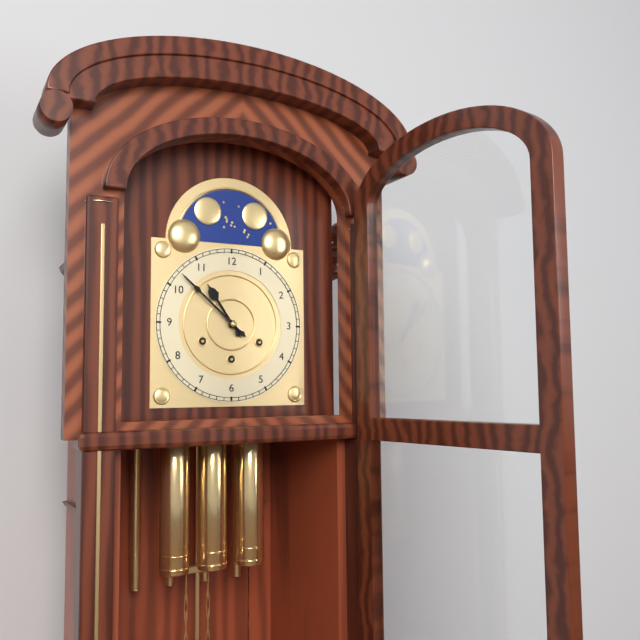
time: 10:52
